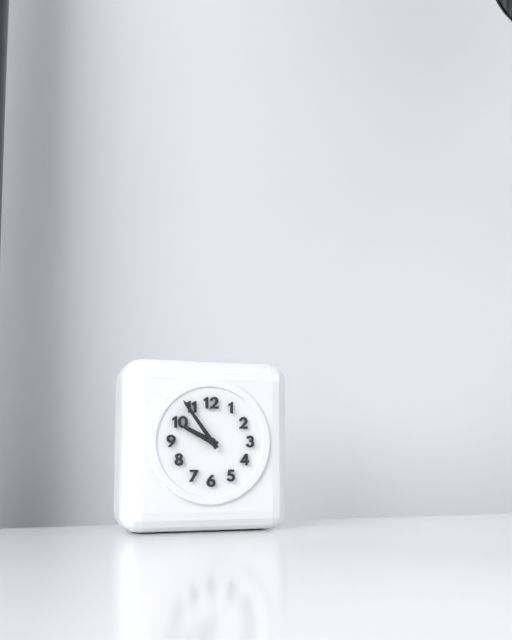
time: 9:54
